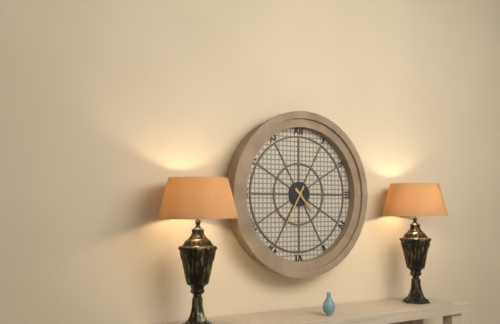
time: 4:35
